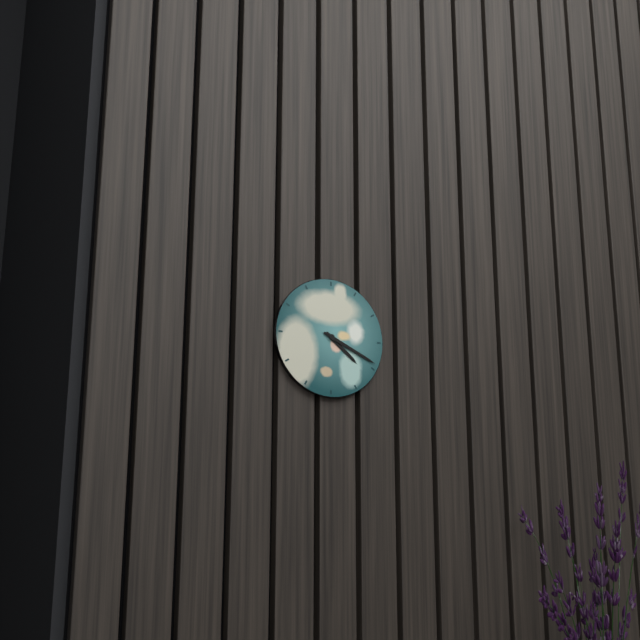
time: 4:19
